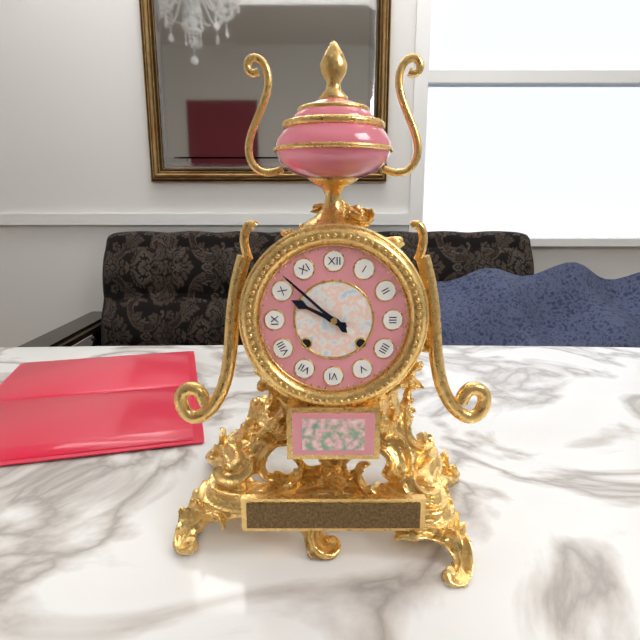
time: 9:52
